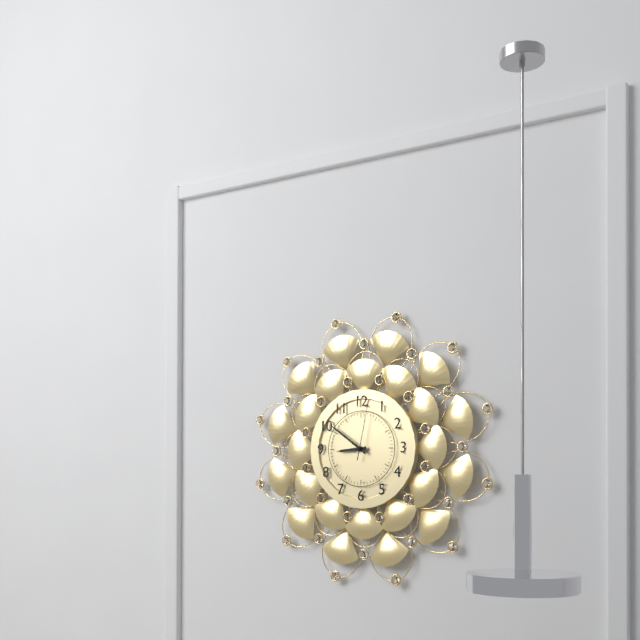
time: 8:51:02
